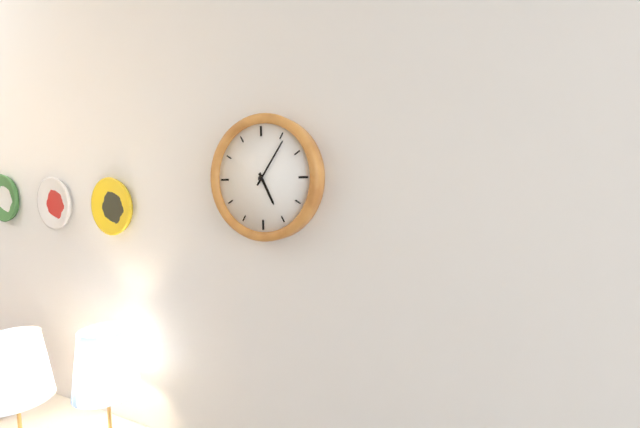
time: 5:06
